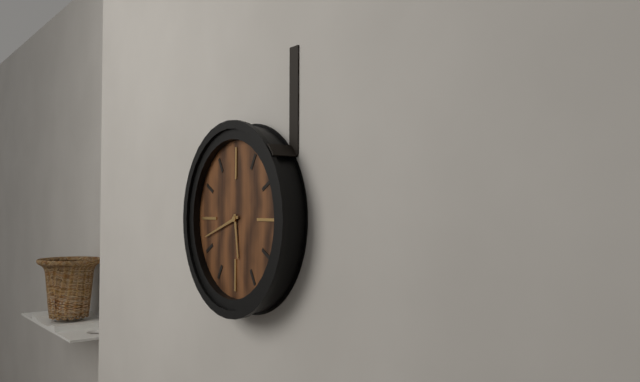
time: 5:42
